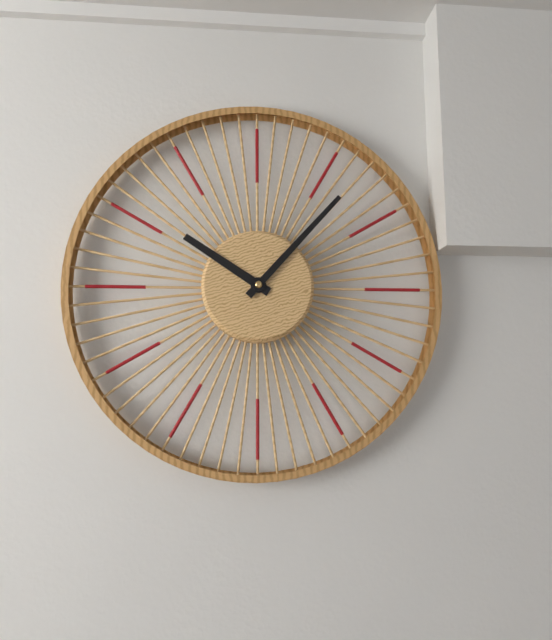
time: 10:07
